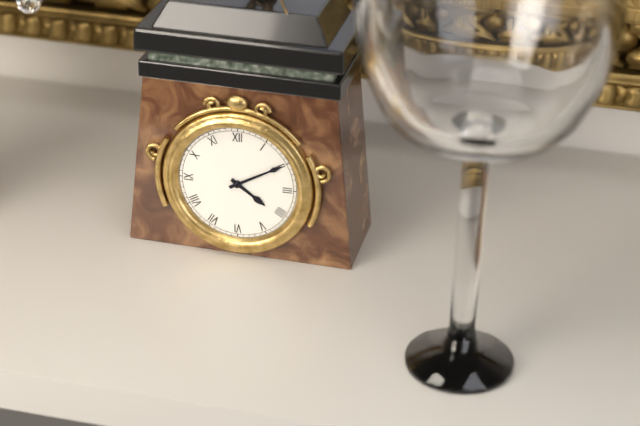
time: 4:10
